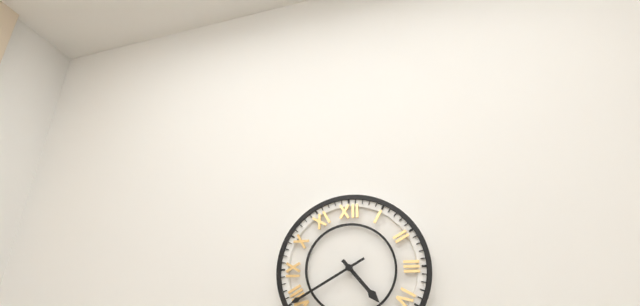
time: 4:40
